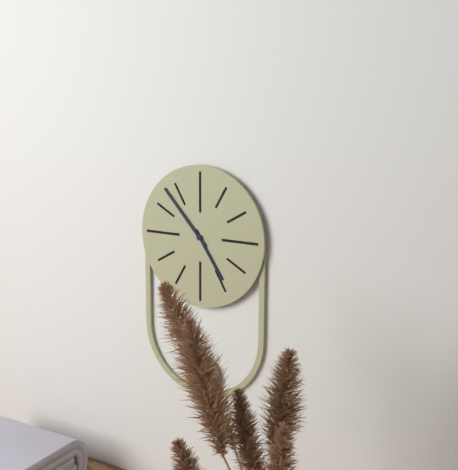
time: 4:53
